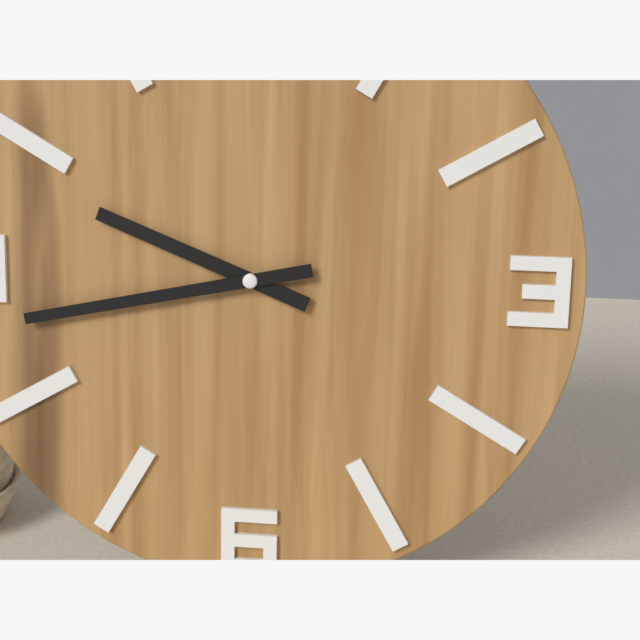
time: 9:43
